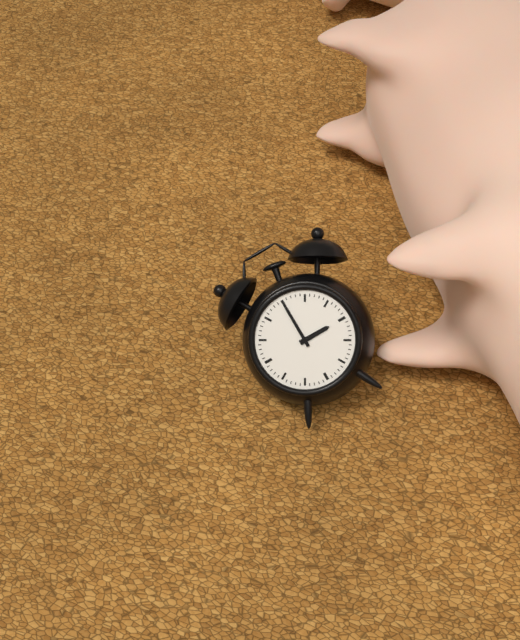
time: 3:00
